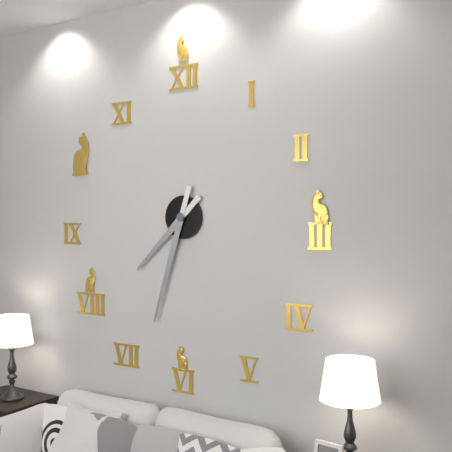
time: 7:33
